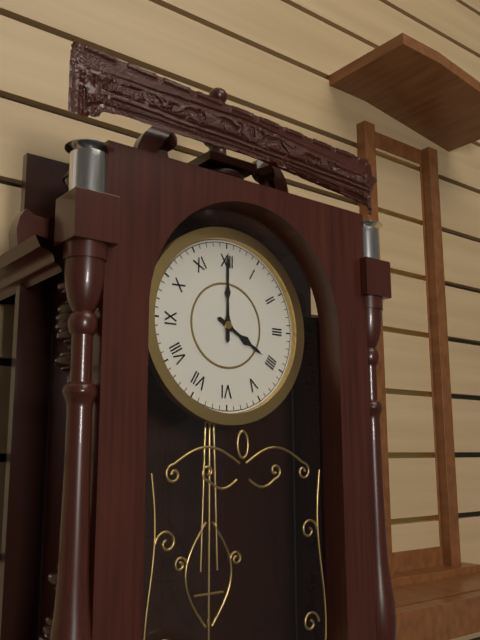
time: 4:00
